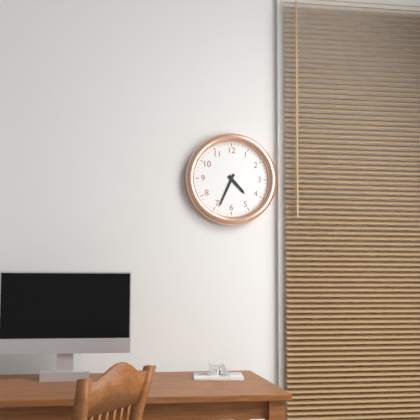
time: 4:34
